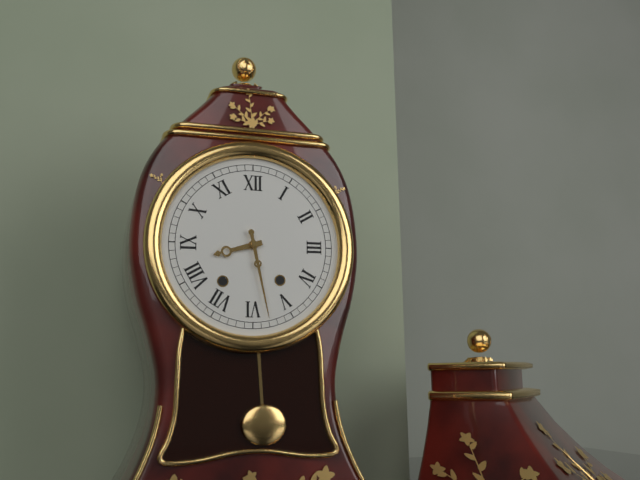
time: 8:28
